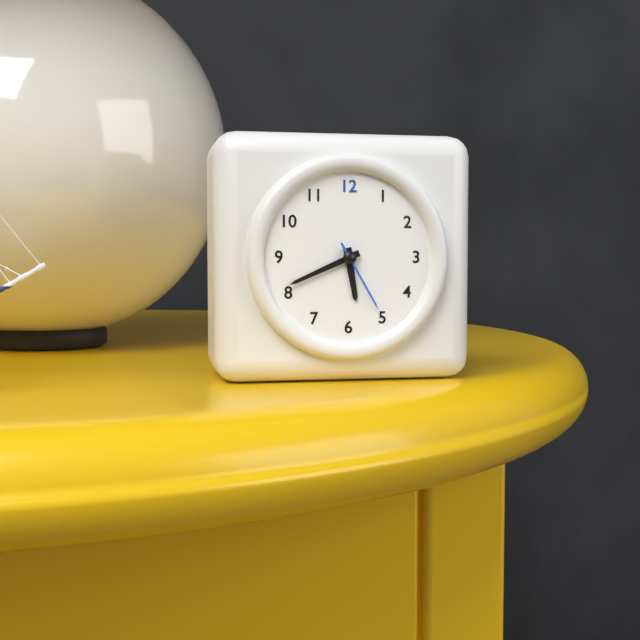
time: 5:41:25
